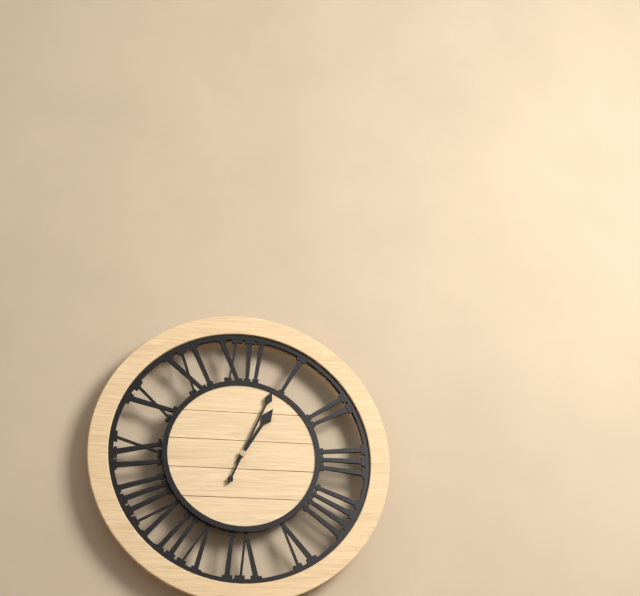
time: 1:04
